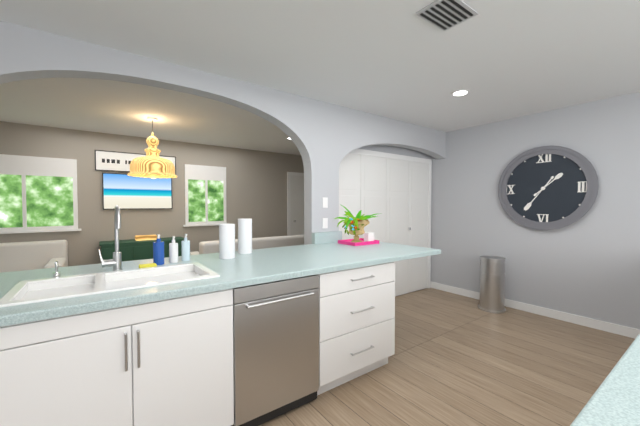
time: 1:36
